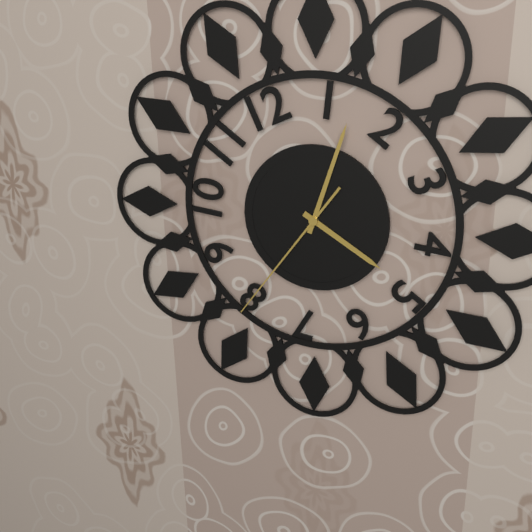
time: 4:03:36
